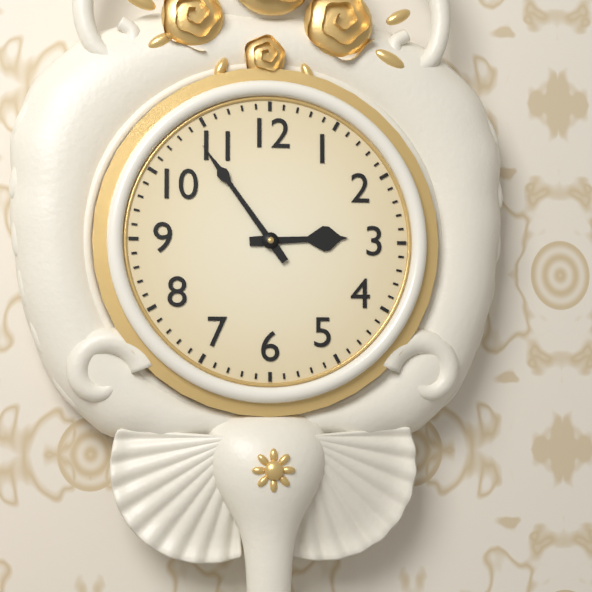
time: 2:54
